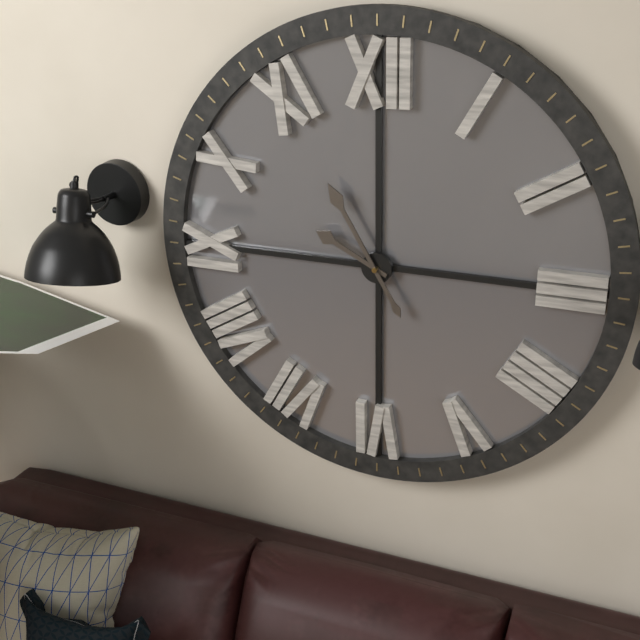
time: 9:55
